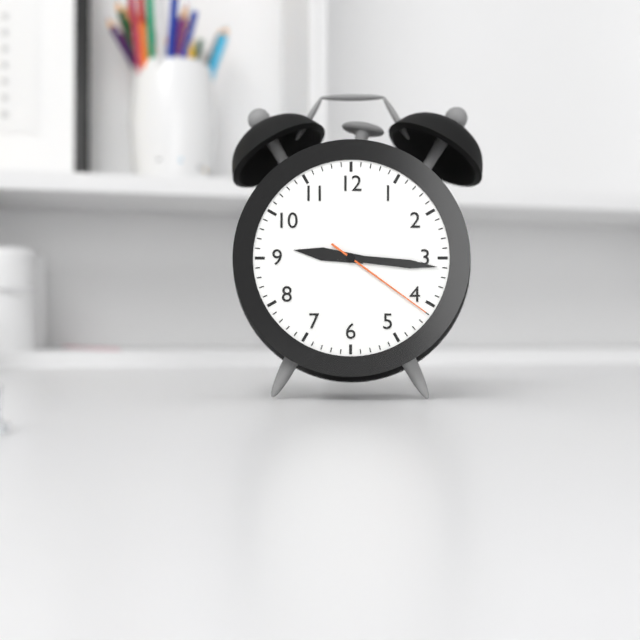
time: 9:16:21
